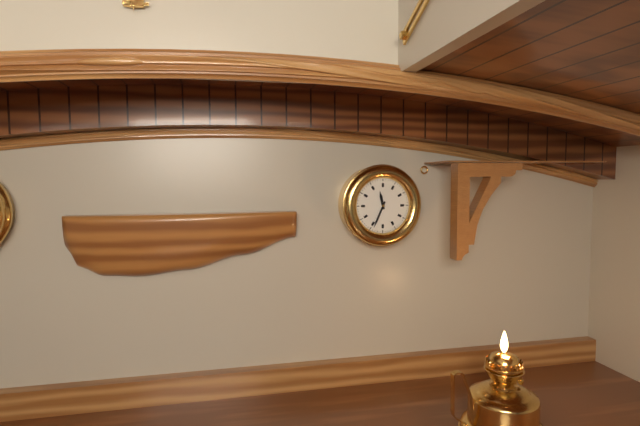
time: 11:34
